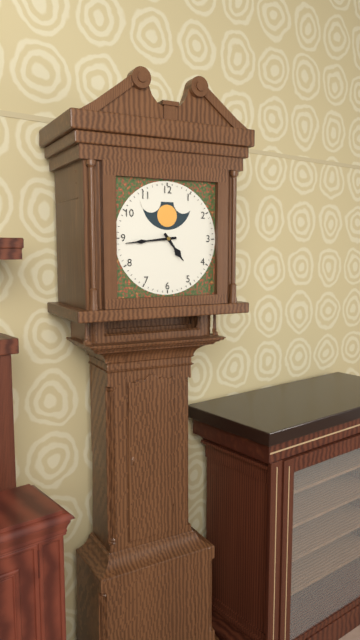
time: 4:44
